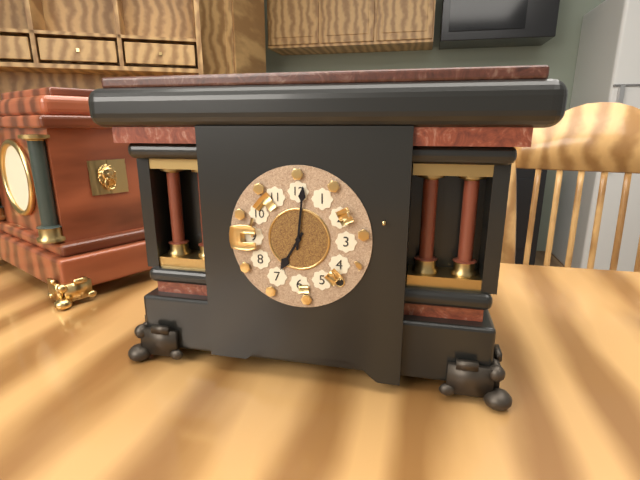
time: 7:01
